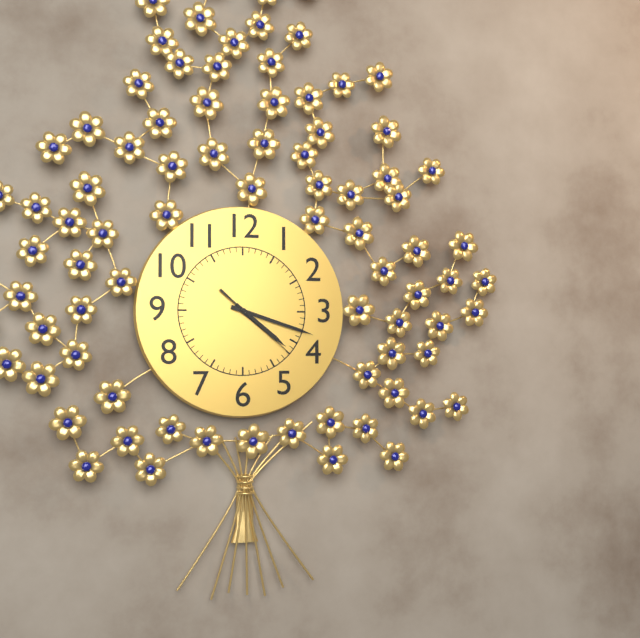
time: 4:18:22
